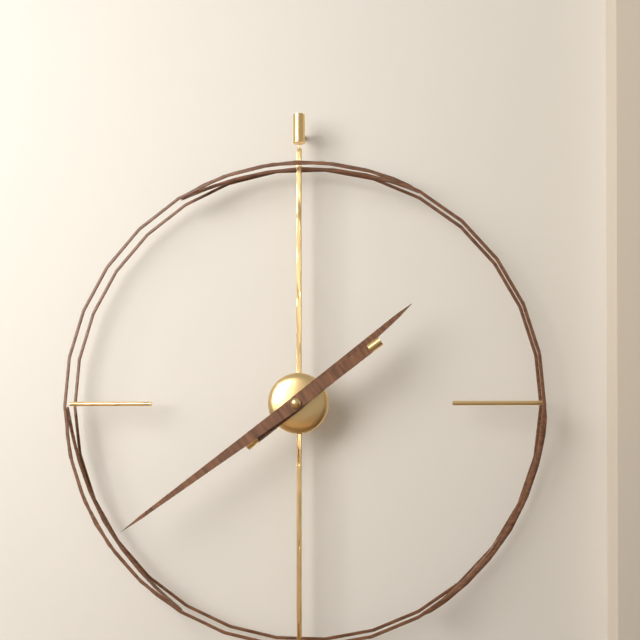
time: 1:39
